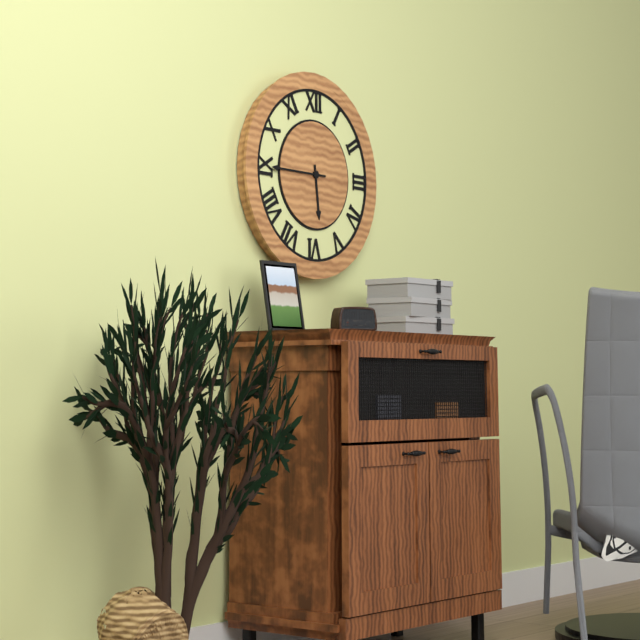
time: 5:45
